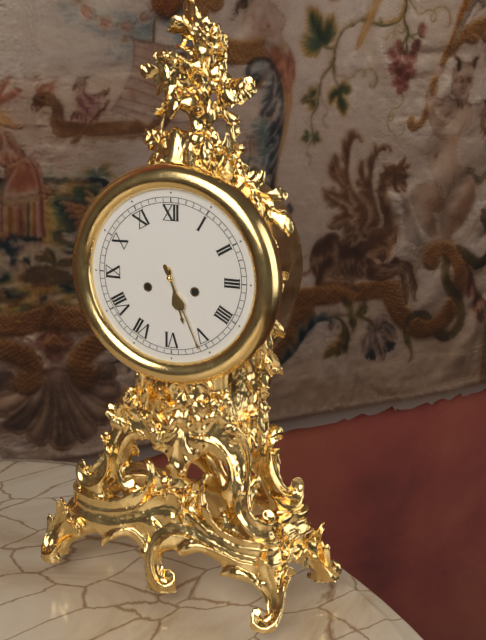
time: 5:26
